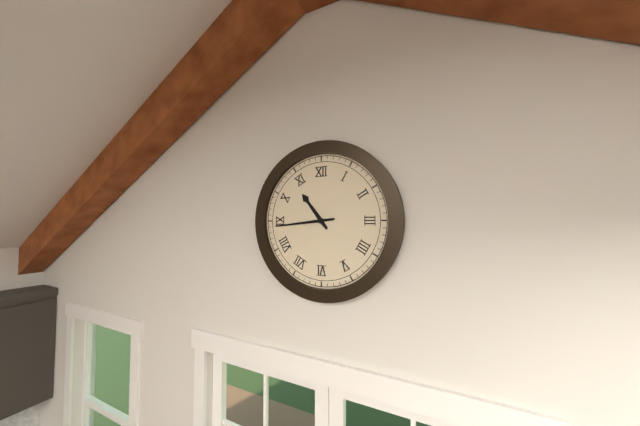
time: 10:44
